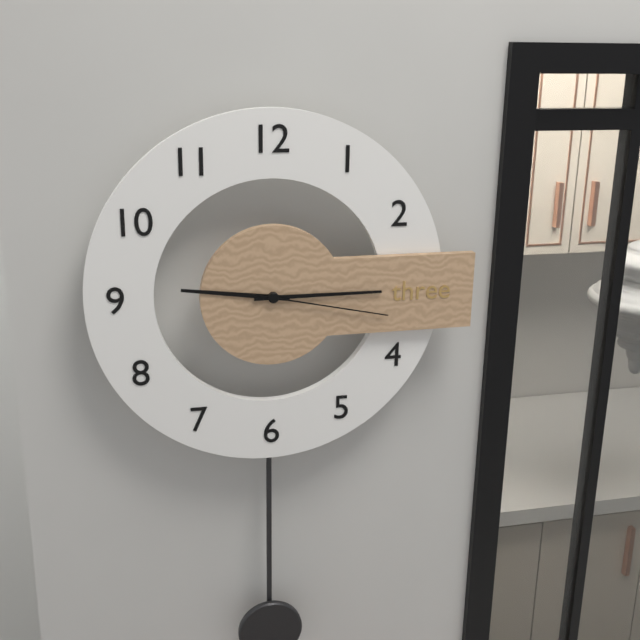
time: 9:15:17
